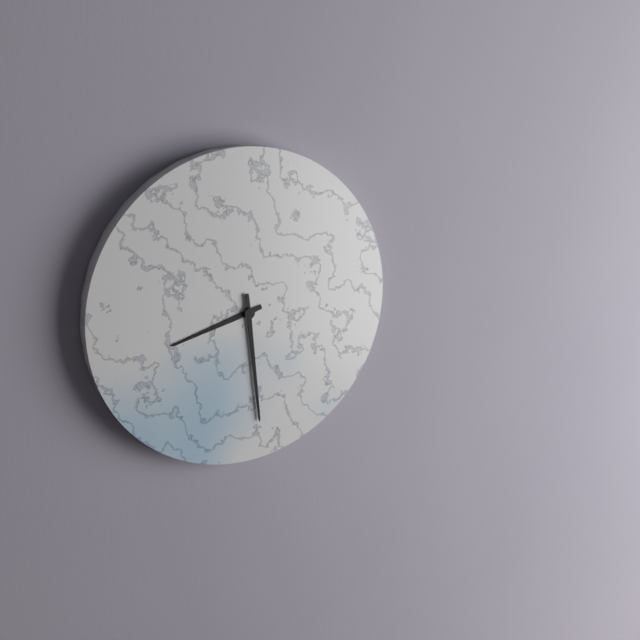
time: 8:29
